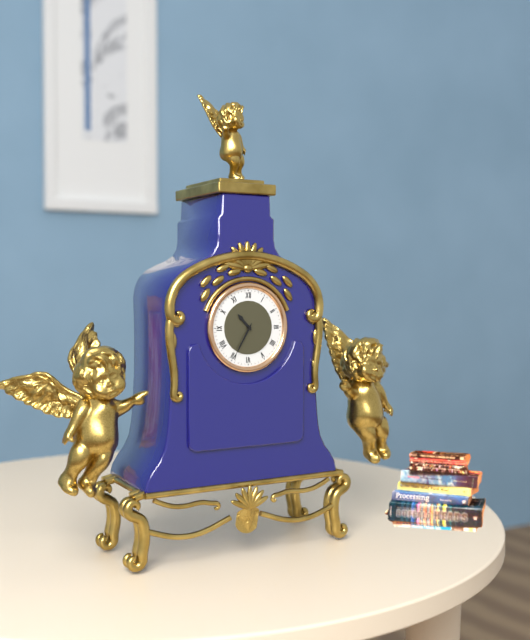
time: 10:35
